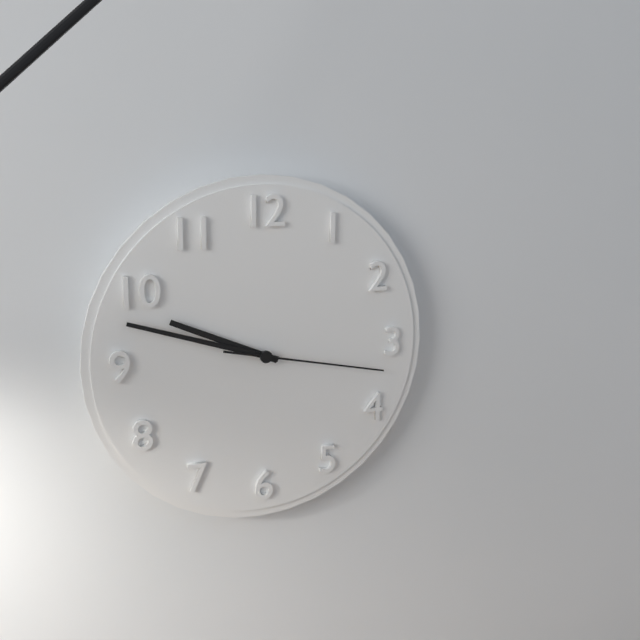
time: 9:48:17
